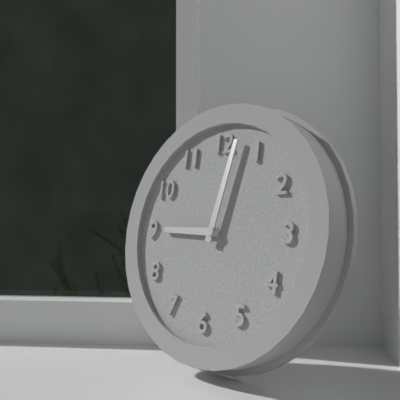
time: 9:02
